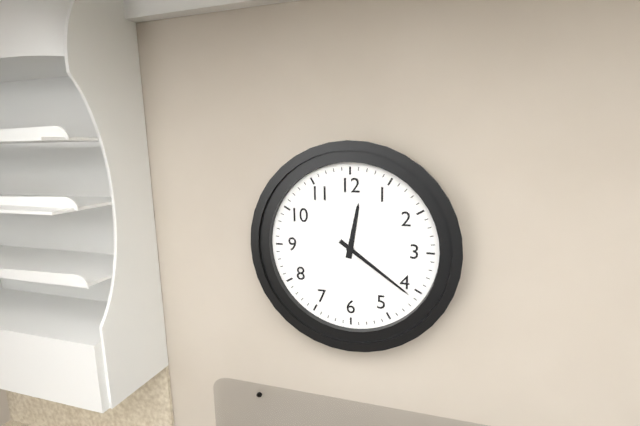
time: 12:21
